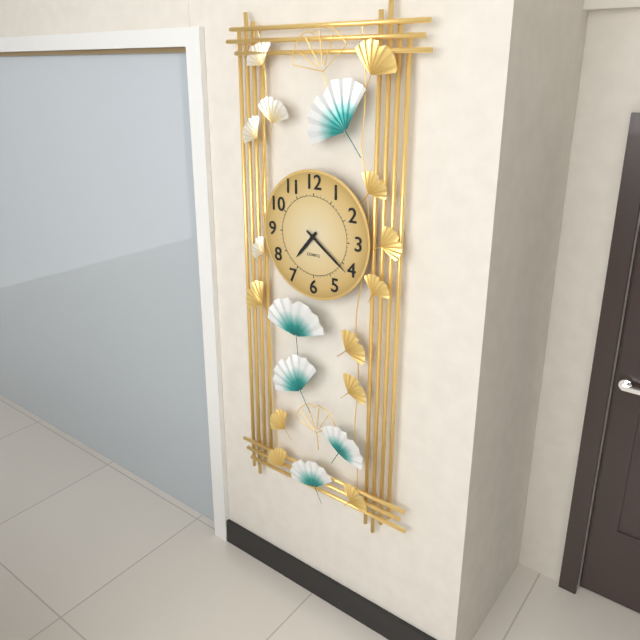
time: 7:21
